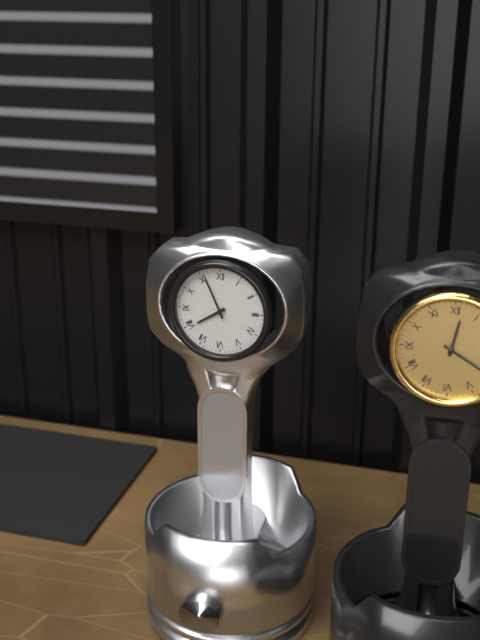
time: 7:56
